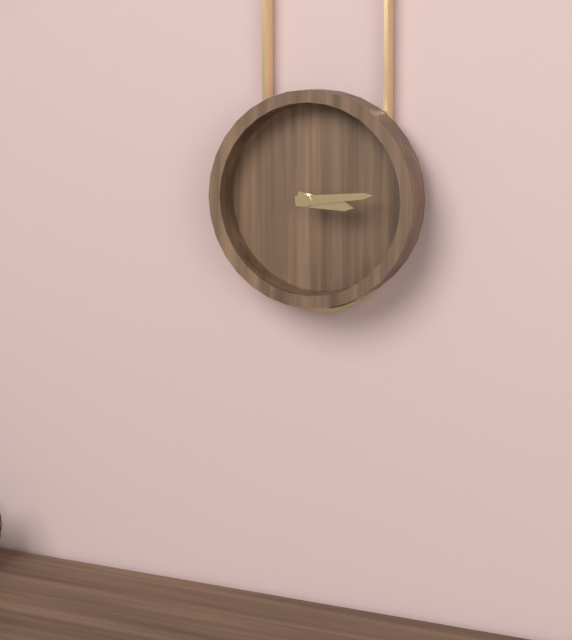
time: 3:14
